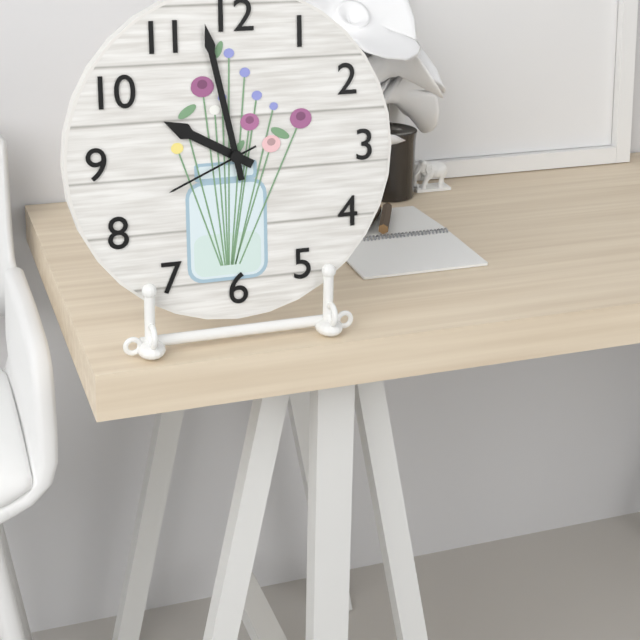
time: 9:58:41
